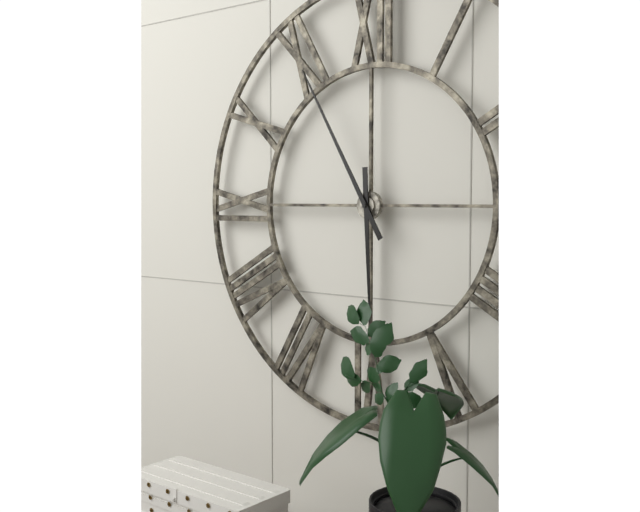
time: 5:55
